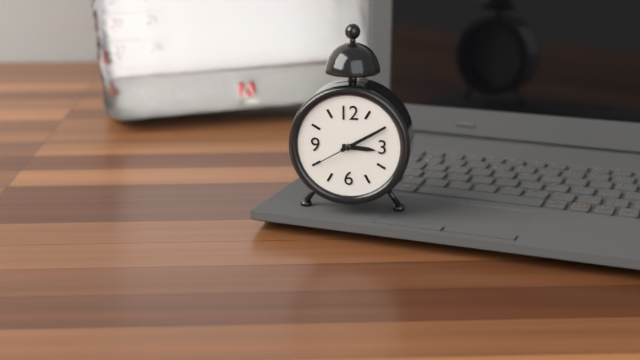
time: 3:10
